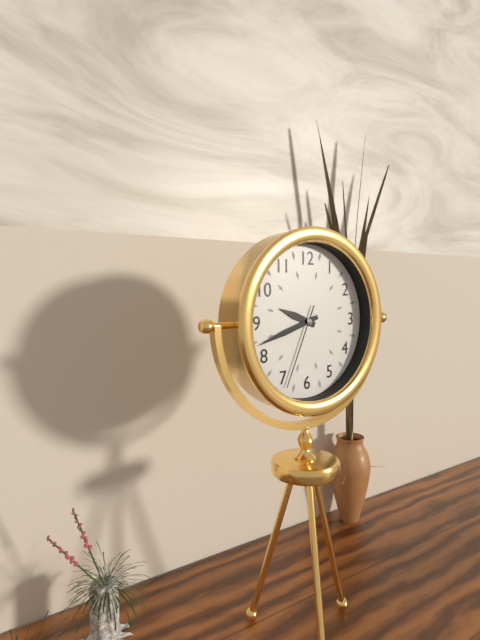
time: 9:42:34
